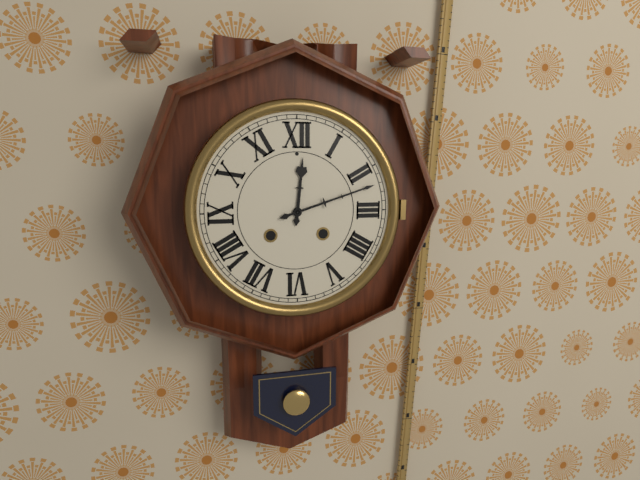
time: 12:12
